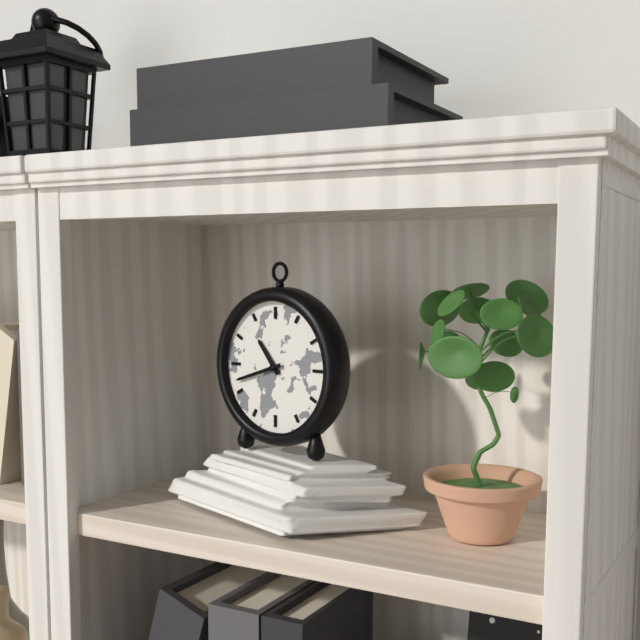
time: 10:42
